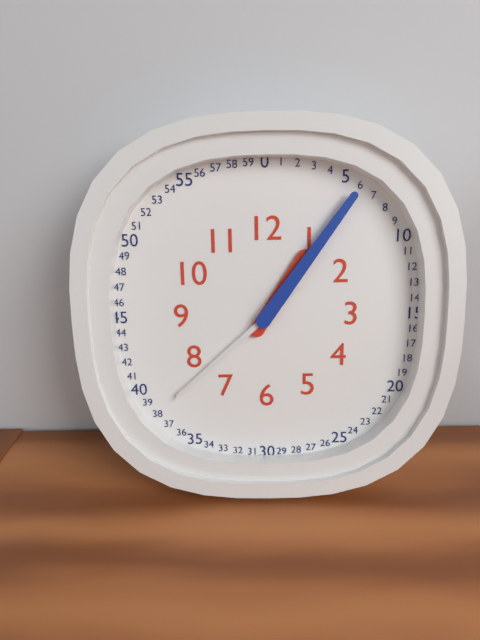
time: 1:06:38
